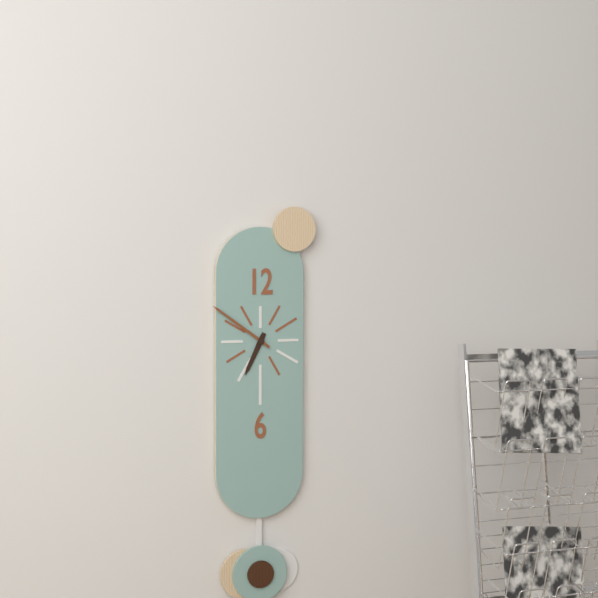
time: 6:51
